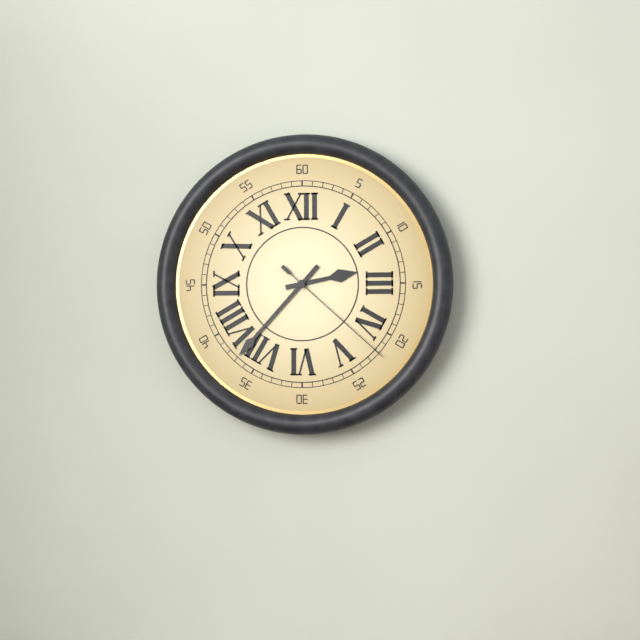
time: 2:37:22
